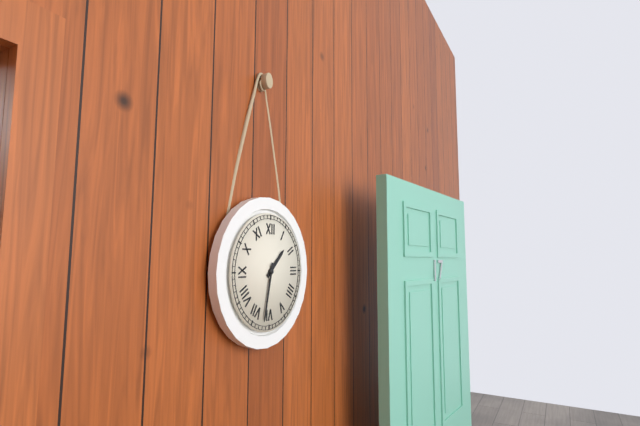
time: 1:32
